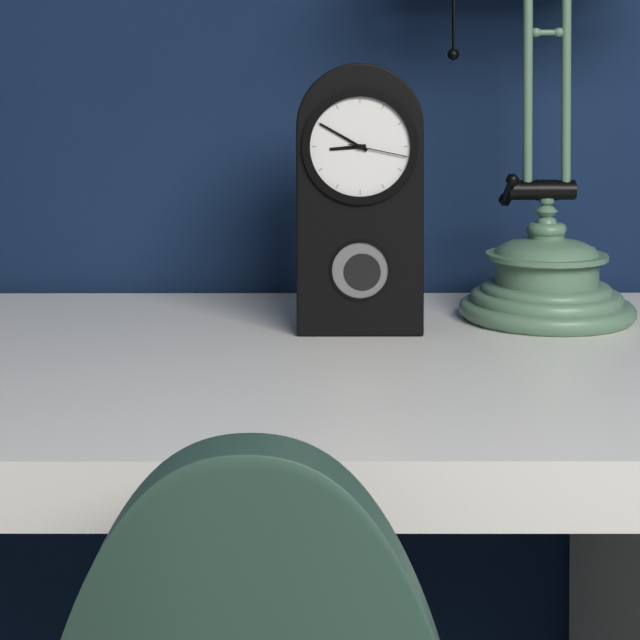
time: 8:50:17
